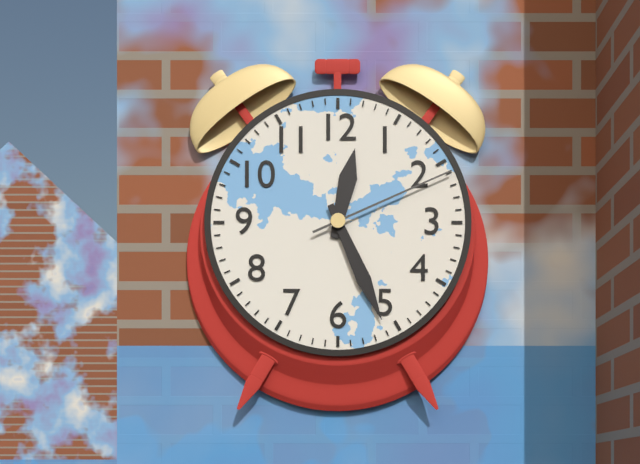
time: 12:26:11
